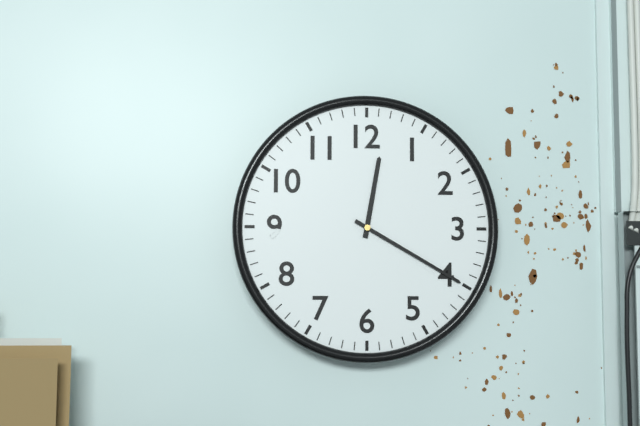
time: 12:20
